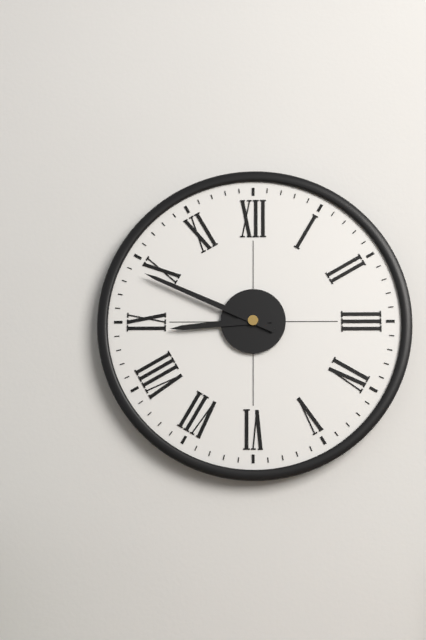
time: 8:49
